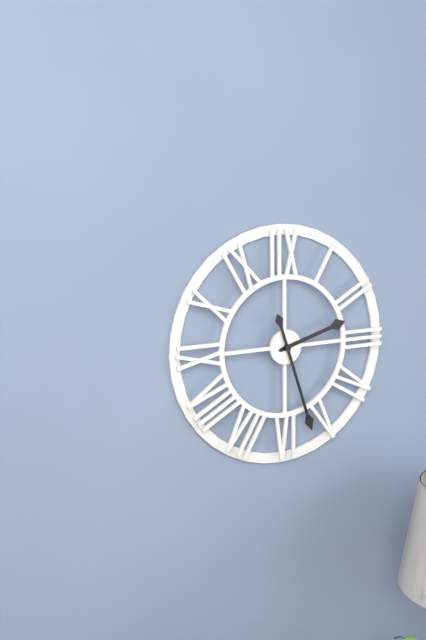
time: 2:27
